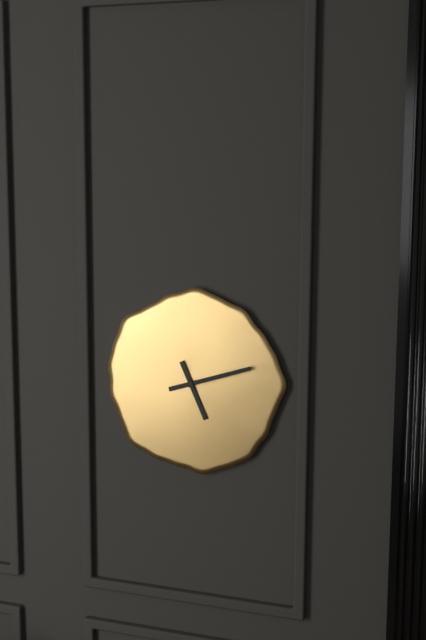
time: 5:12
